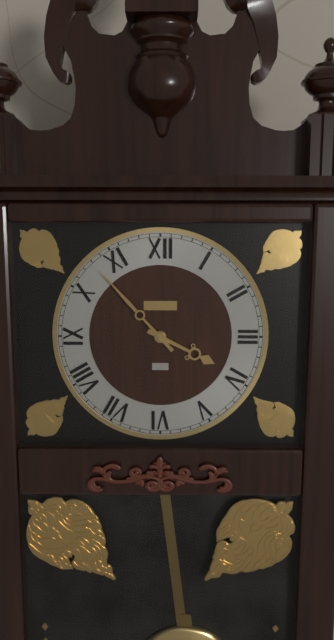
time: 3:53
